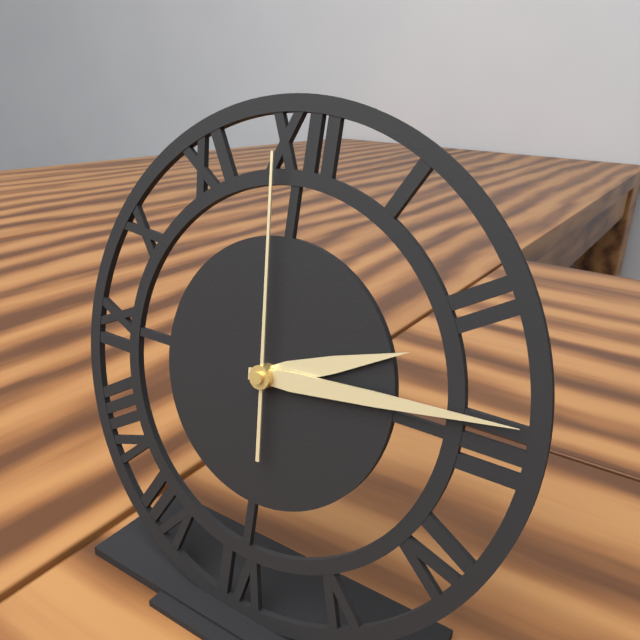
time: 2:14:59
